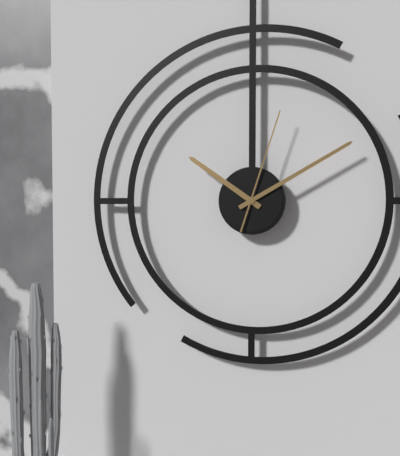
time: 10:10:03
